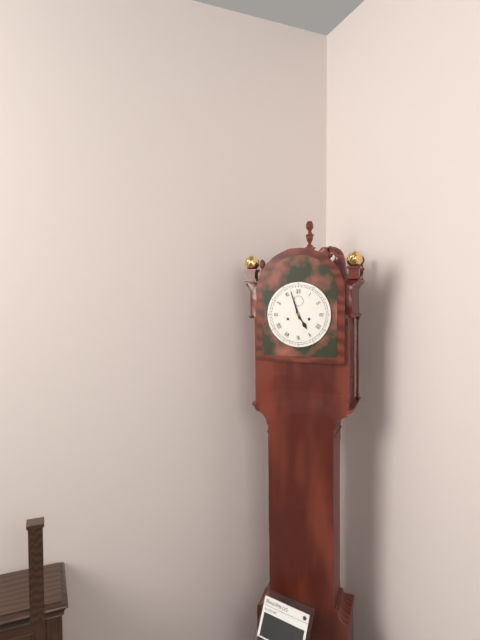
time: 4:57
